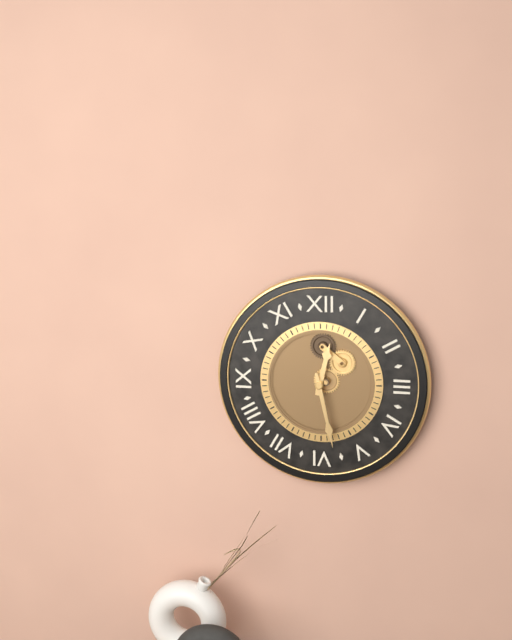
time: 12:28
